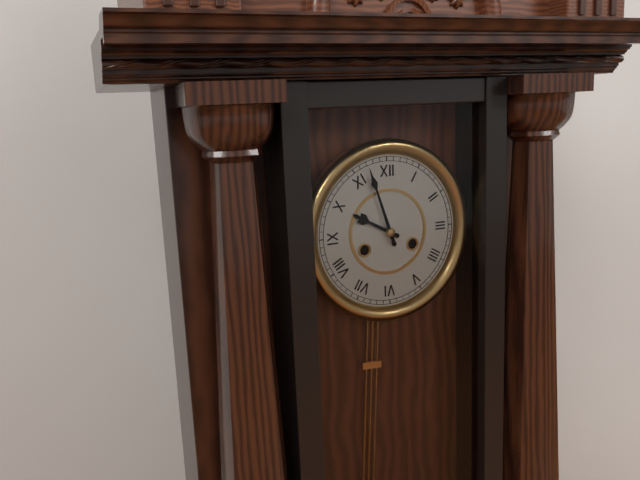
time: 9:57
